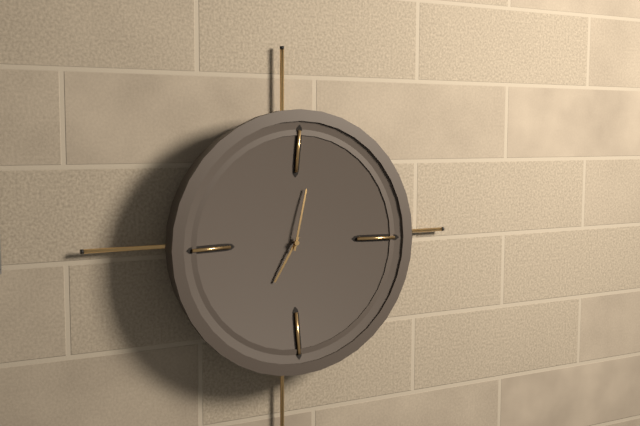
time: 7:02
